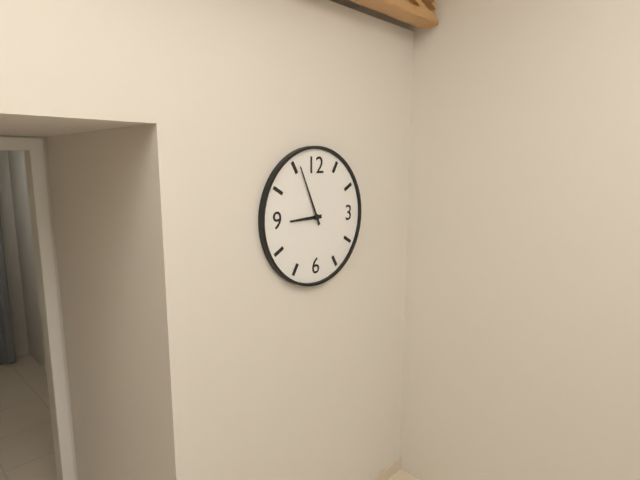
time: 8:56
